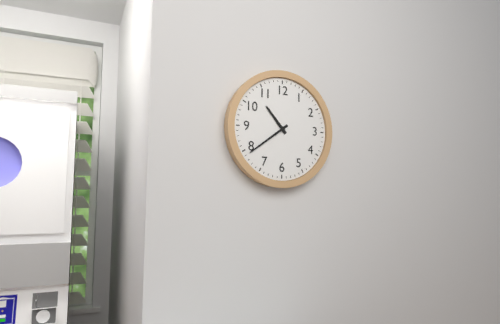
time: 10:39
